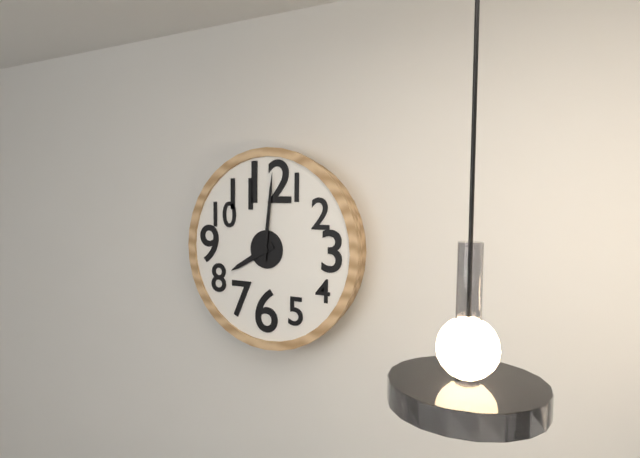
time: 8:01
